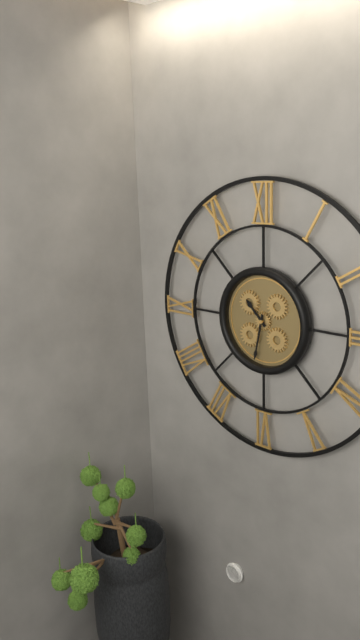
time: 10:32
